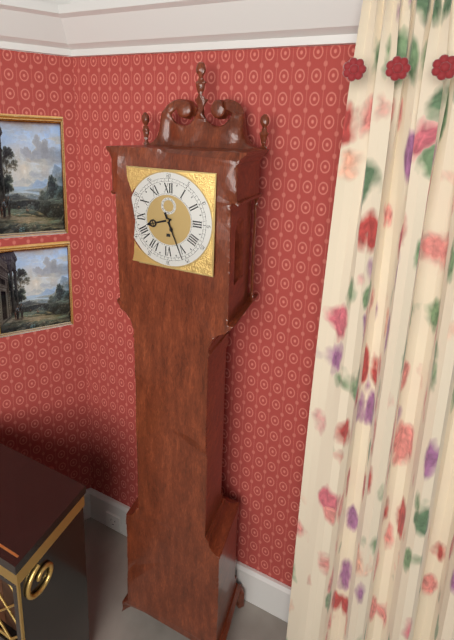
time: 8:26
